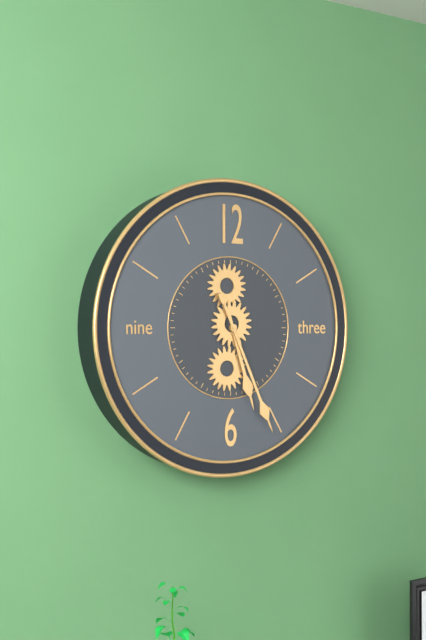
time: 5:26
